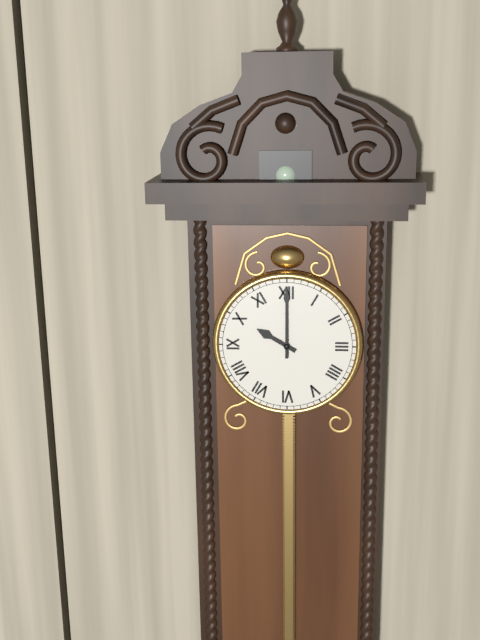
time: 10:00
